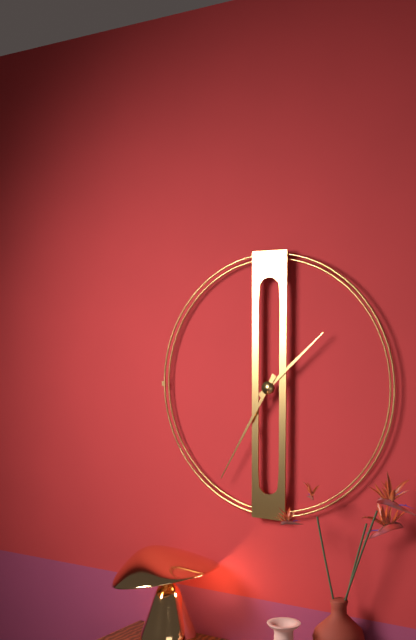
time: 1:35
